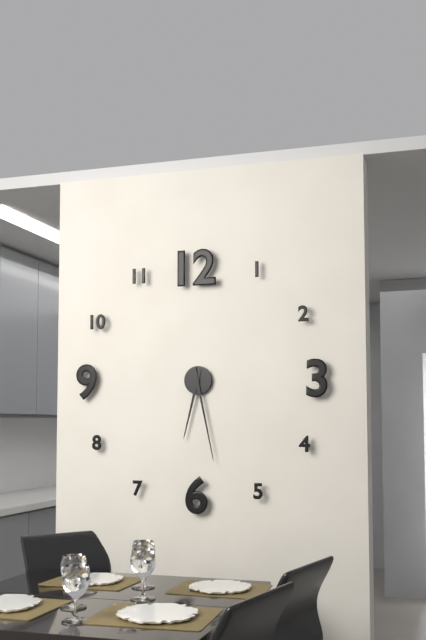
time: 6:28
